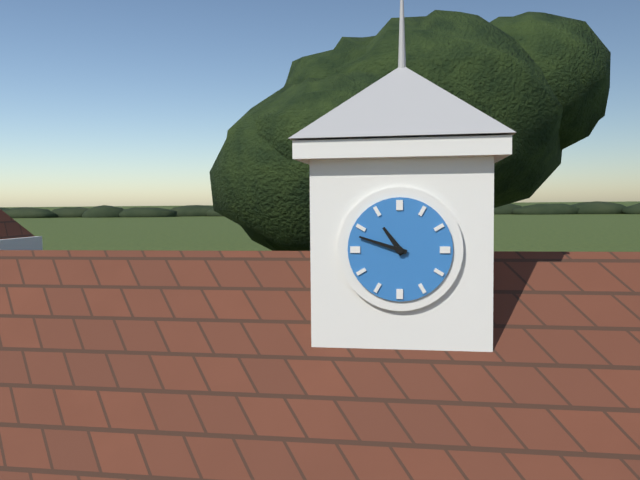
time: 10:48
